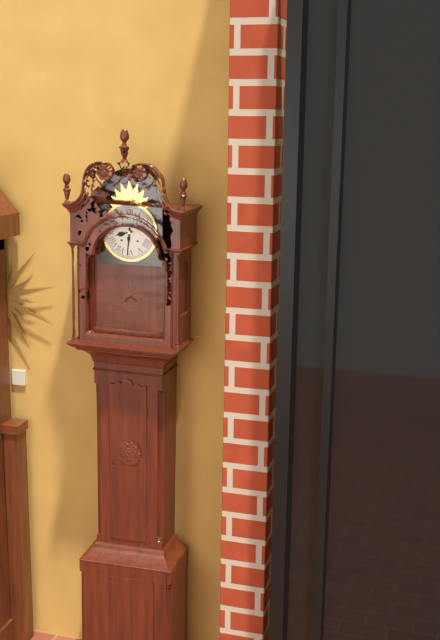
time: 8:31
